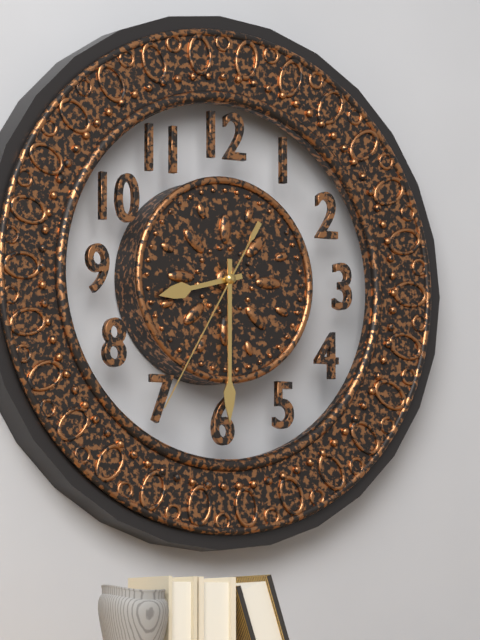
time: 8:30:35
